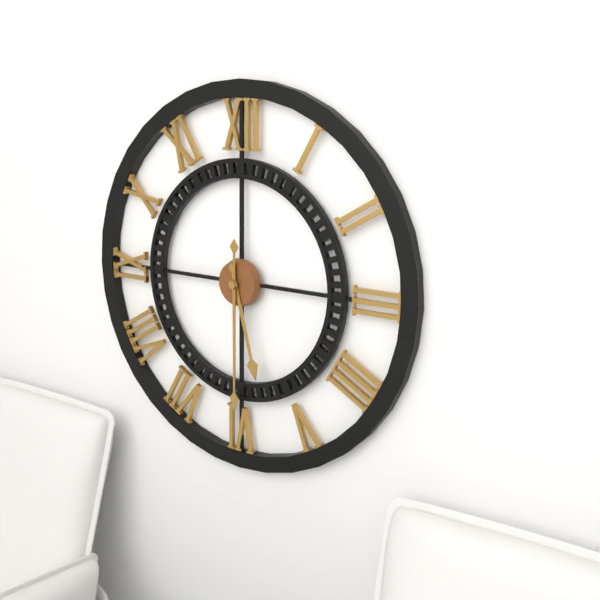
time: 5:30
